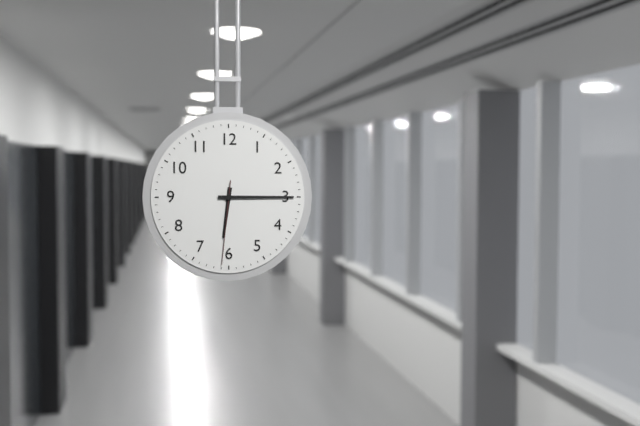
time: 6:15:31
